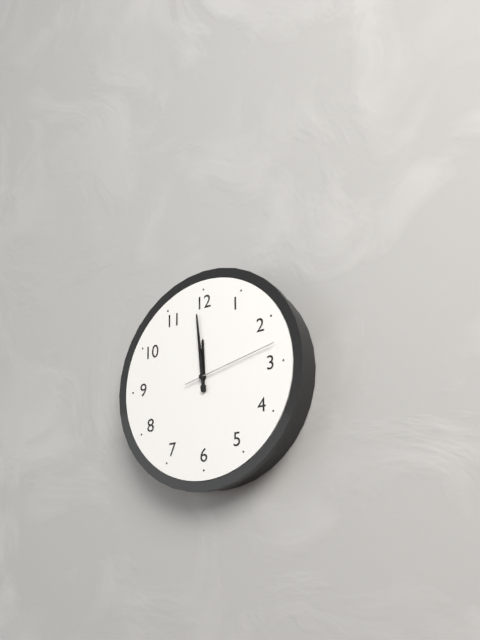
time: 11:59:13
